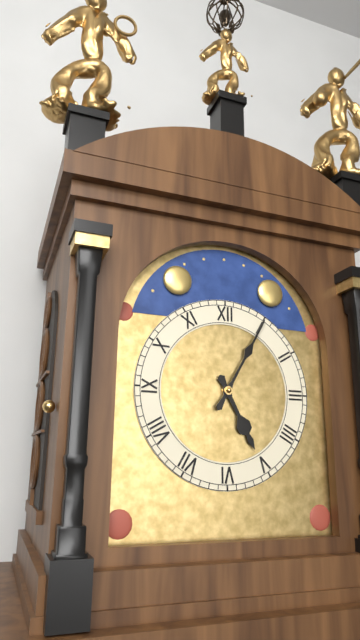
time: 5:05
